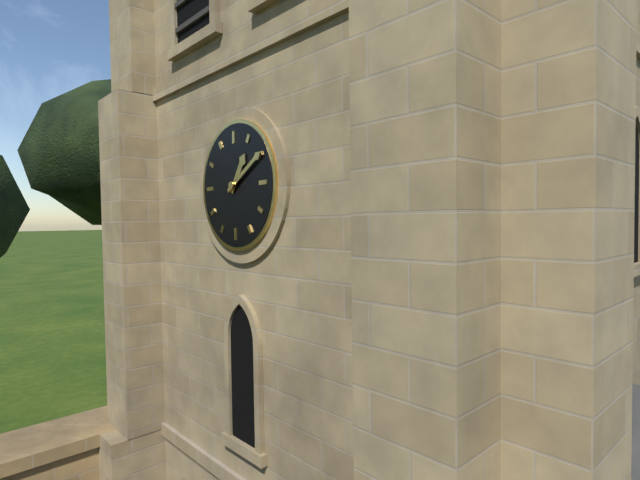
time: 1:10
